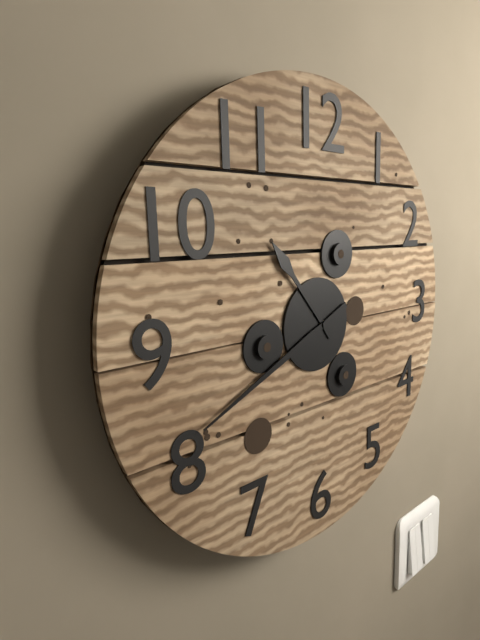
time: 10:41
